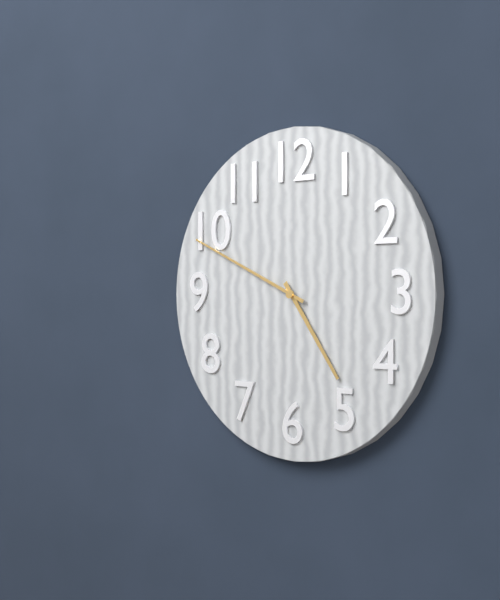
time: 4:49
